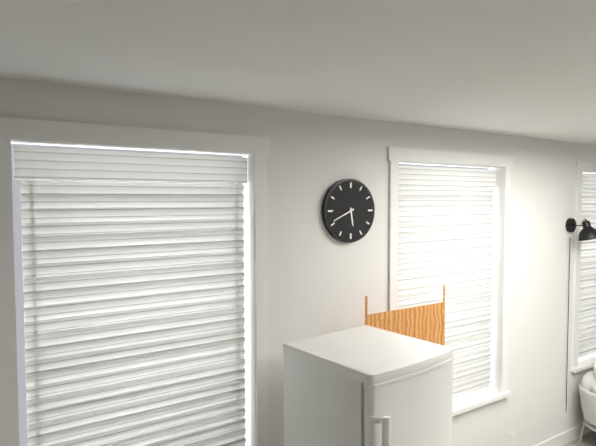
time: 5:41
